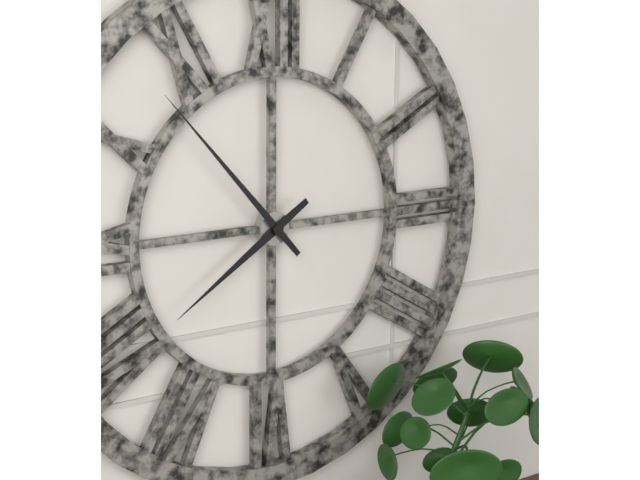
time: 7:53
